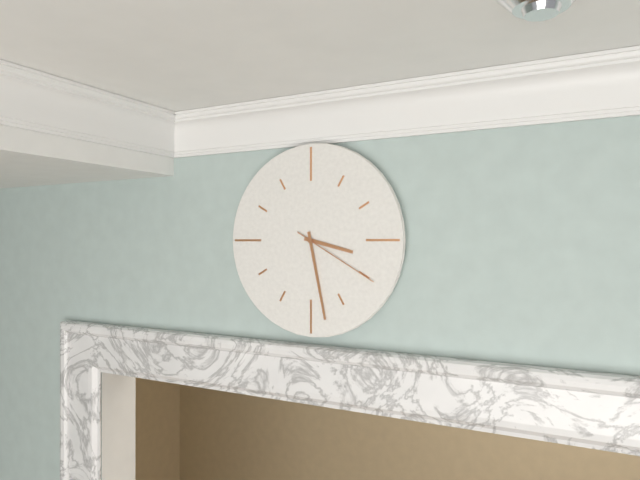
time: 3:28:20
